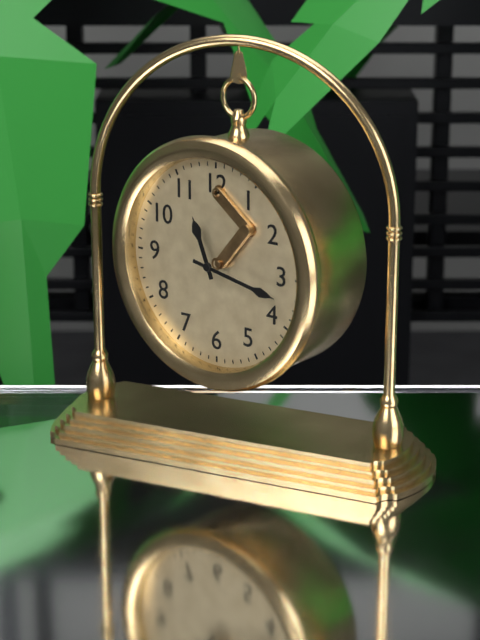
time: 11:17
